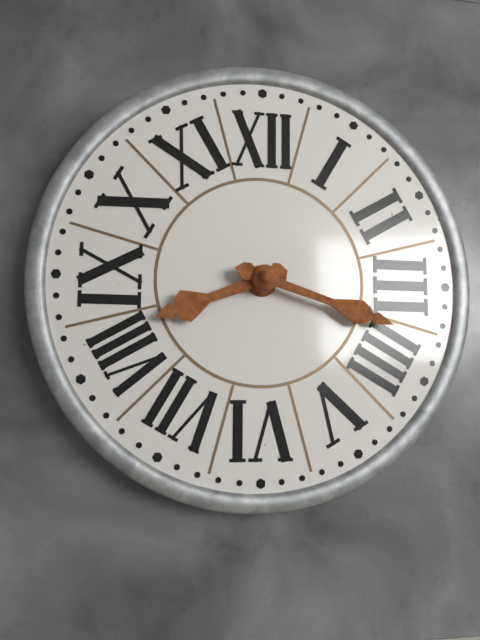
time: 8:18
